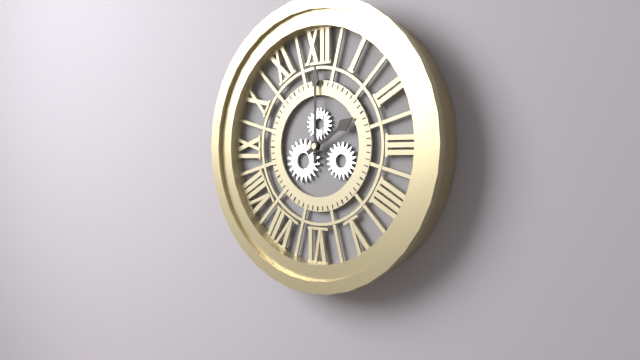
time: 2:00
